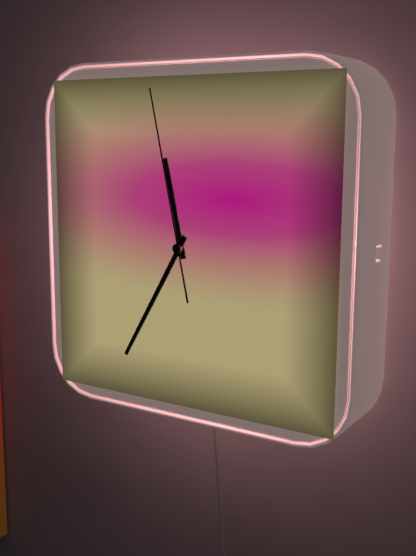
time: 11:35:58
